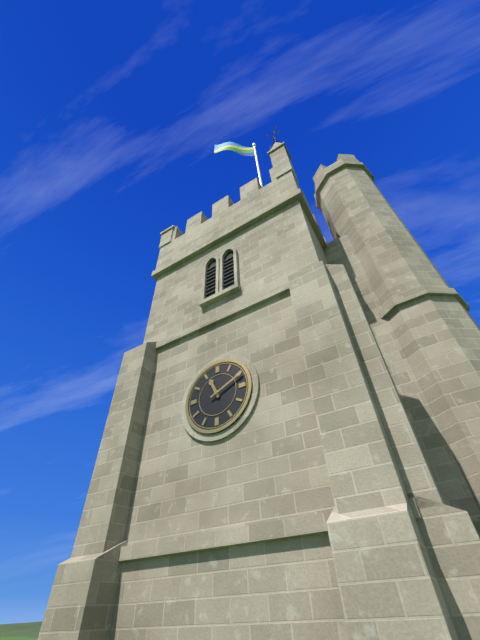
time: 11:11
